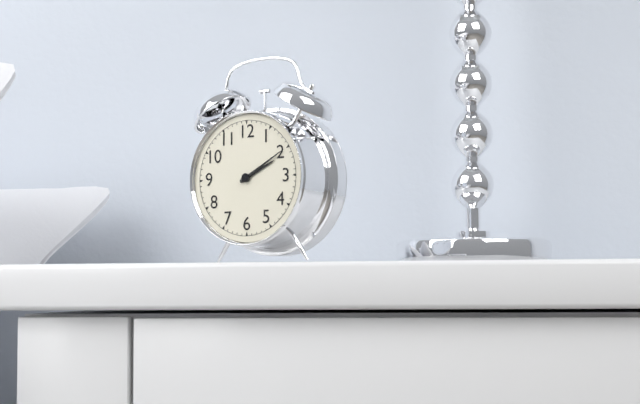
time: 2:10
